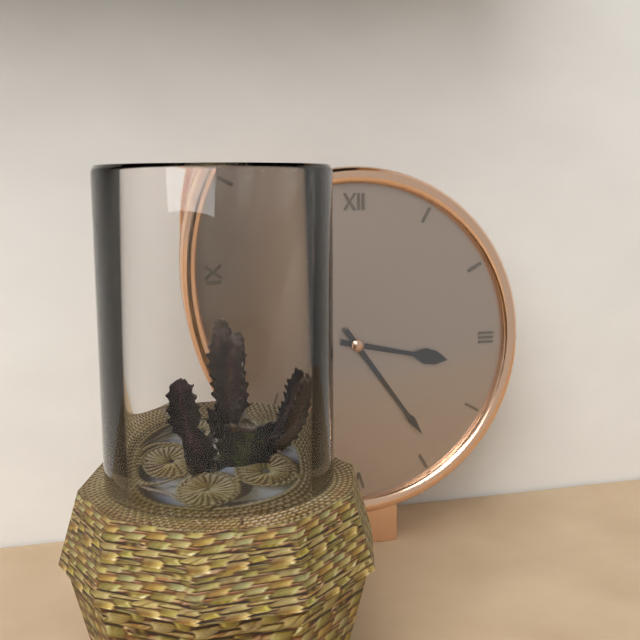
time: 3:24
